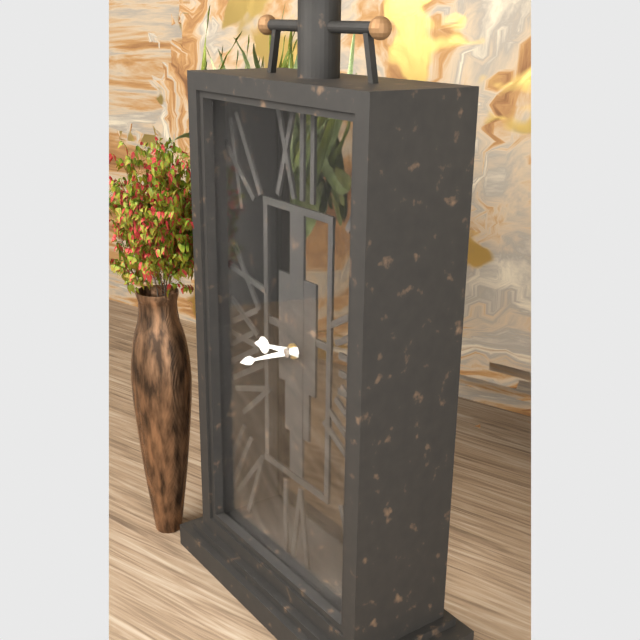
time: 8:41
